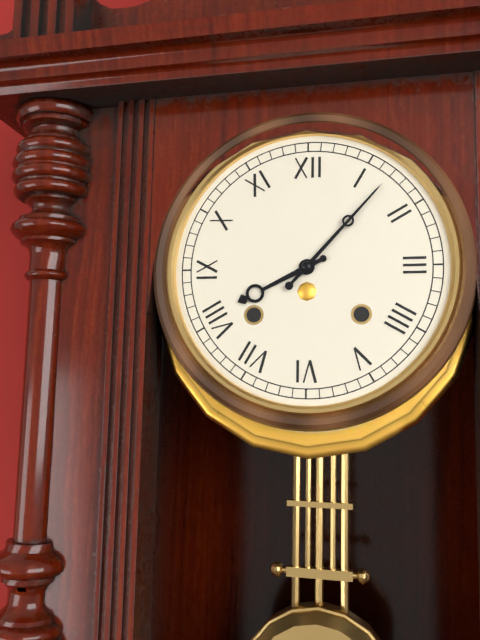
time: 8:07
